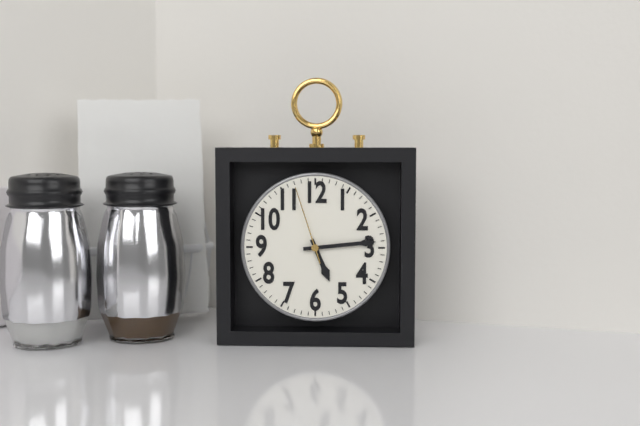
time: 5:14:57
